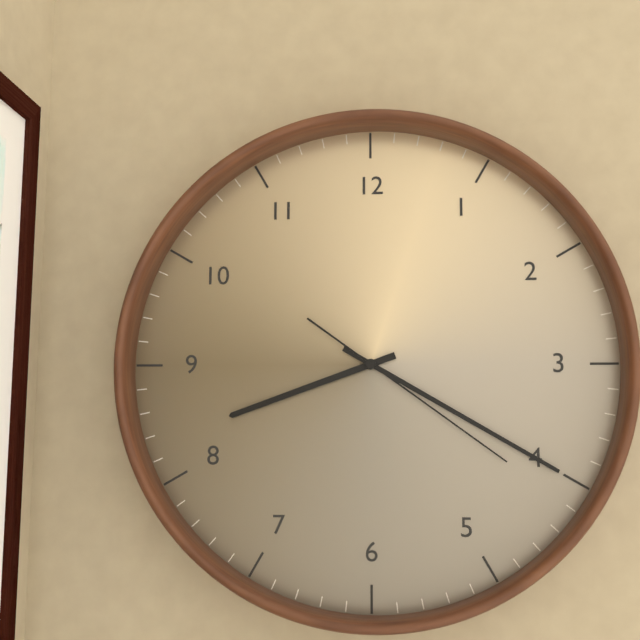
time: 8:20:21
